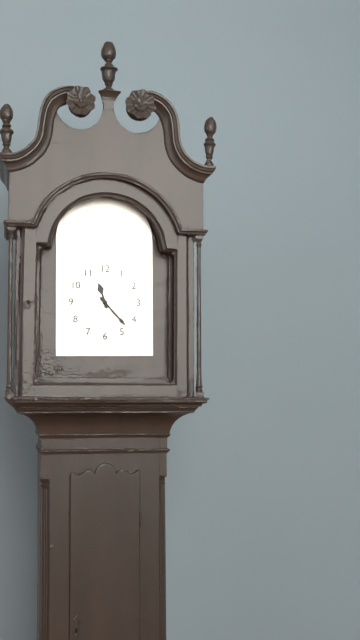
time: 11:23
